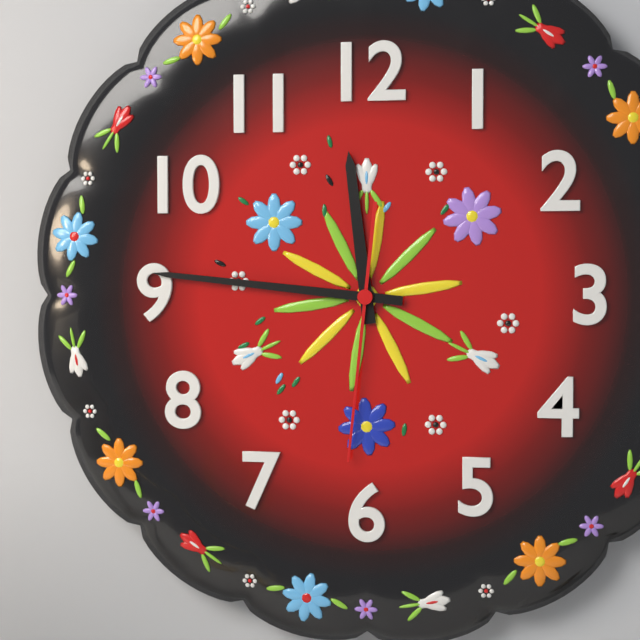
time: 11:46:31
